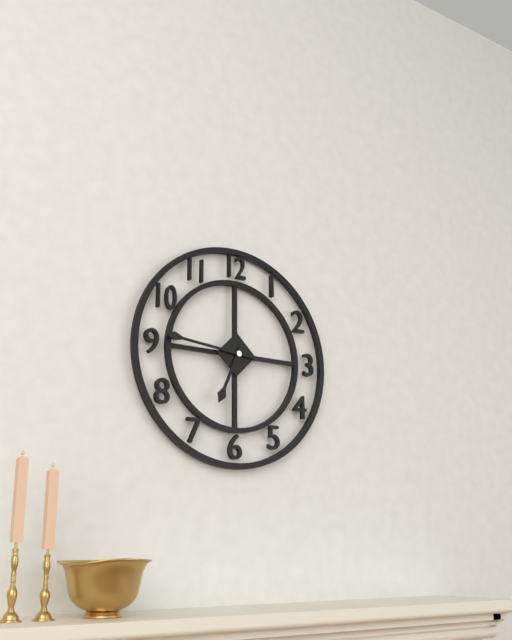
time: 6:46
